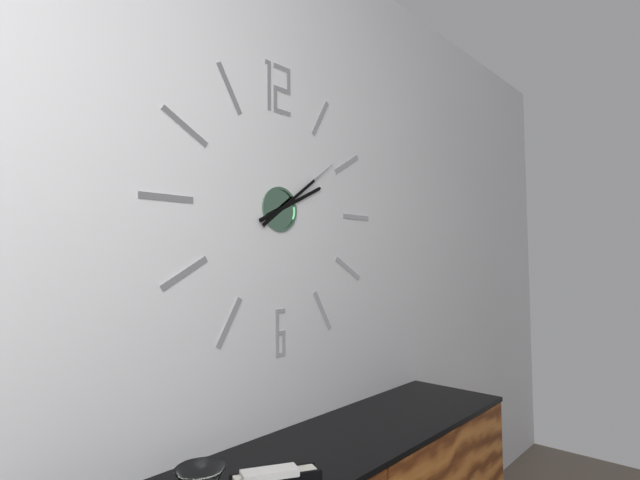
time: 2:09
